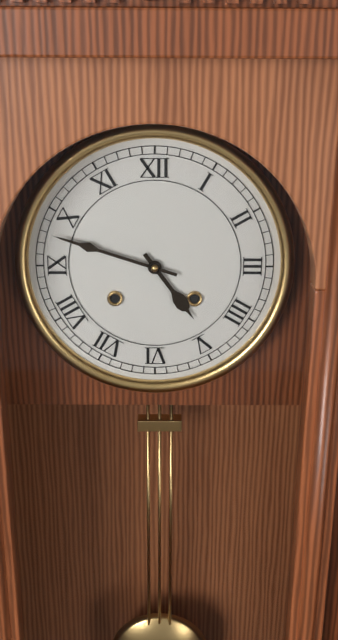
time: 4:48
